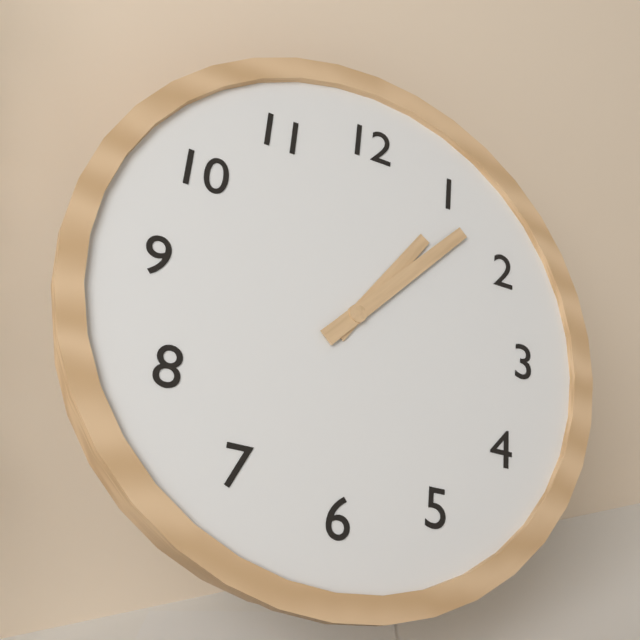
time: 1:07
